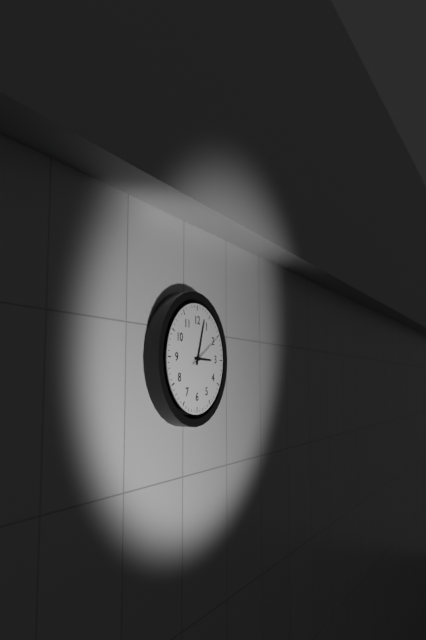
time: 3:03
